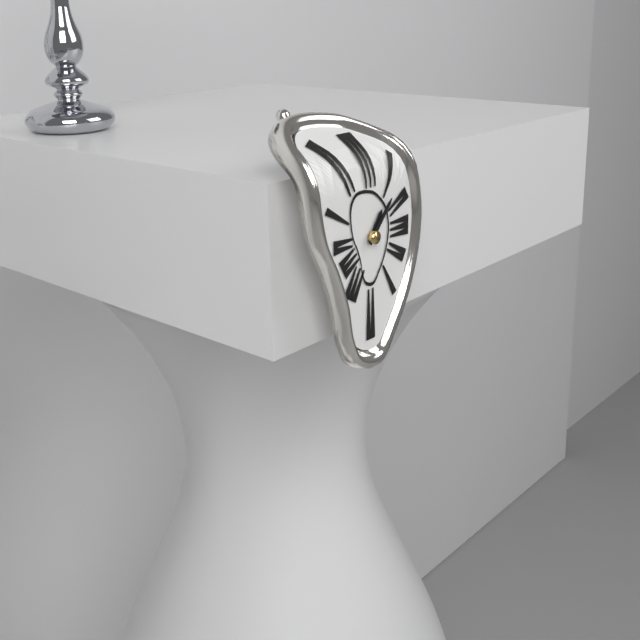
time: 1:07
